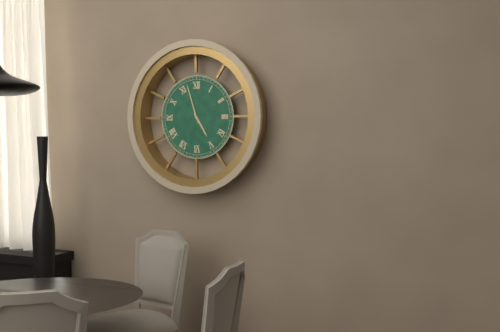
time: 4:57
